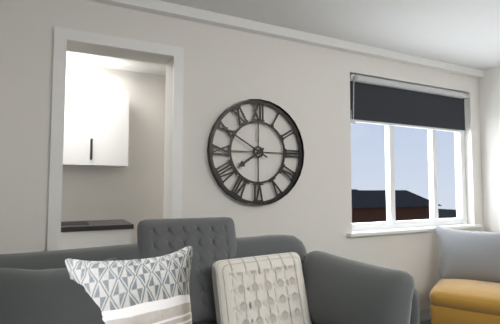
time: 7:50
